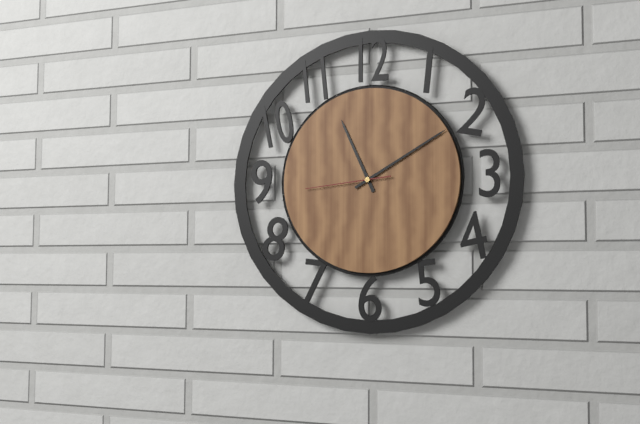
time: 11:10:44
